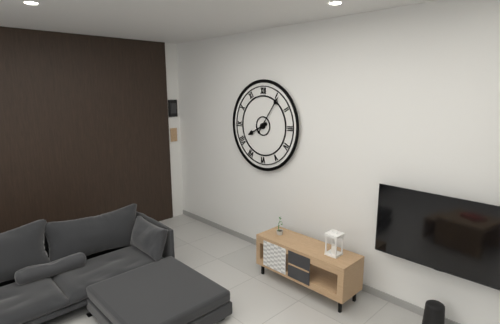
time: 8:06
